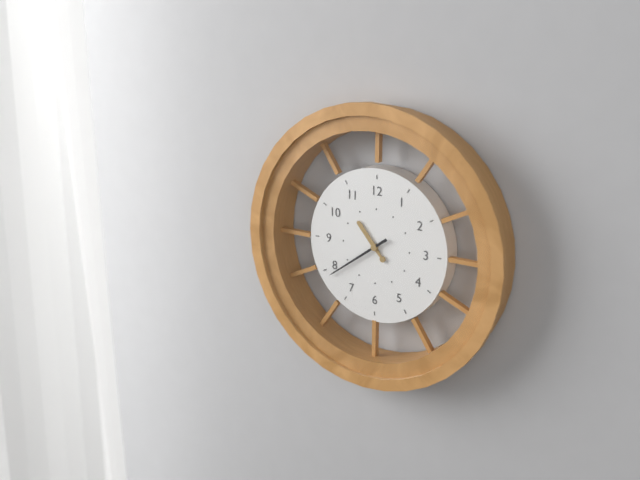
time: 10:39
